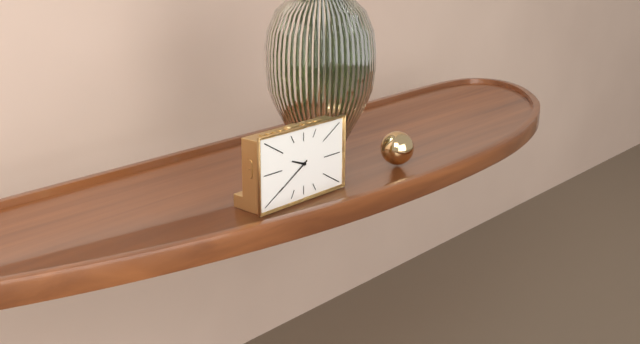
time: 9:40
